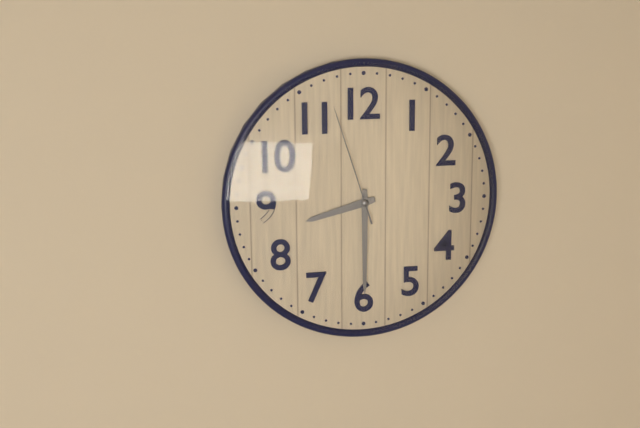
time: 8:30:57
